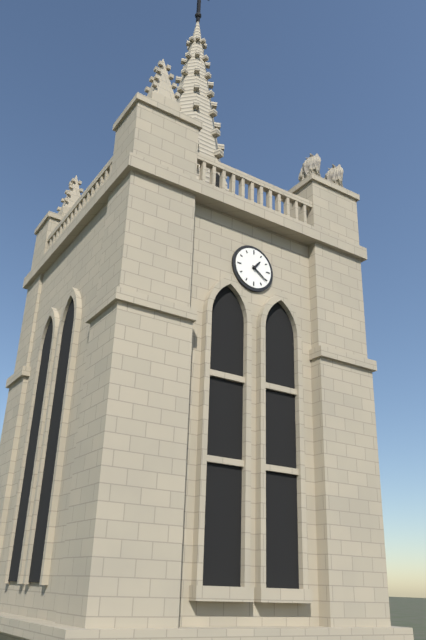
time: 1:21
